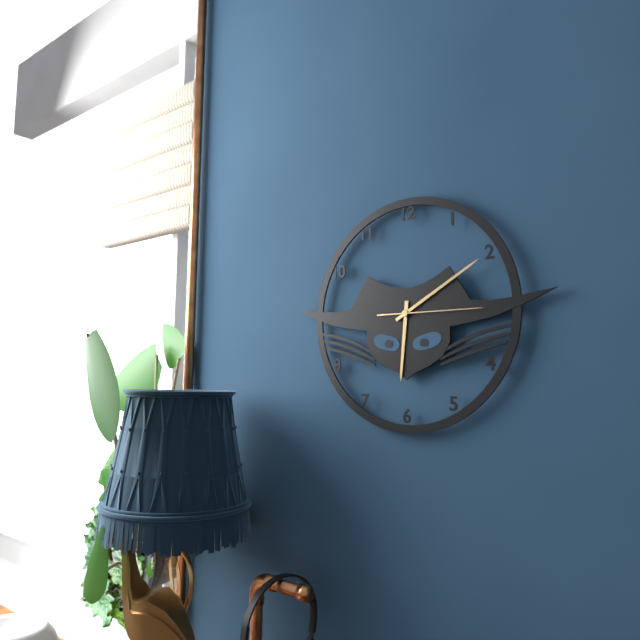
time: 6:10:15
